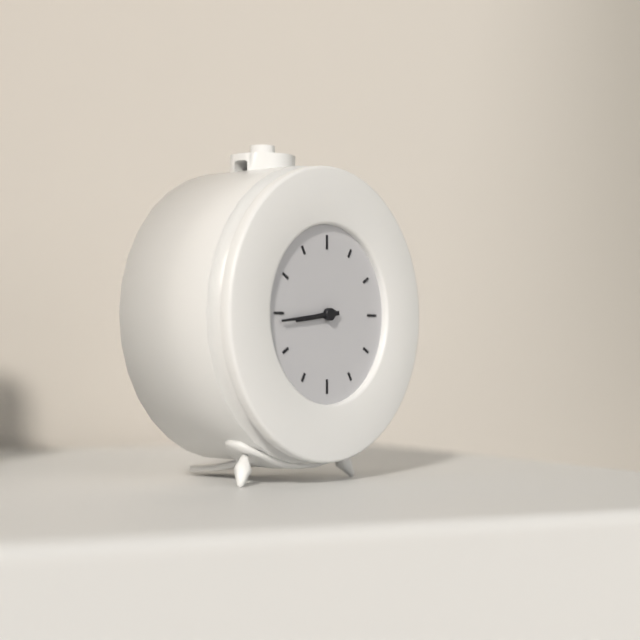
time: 8:44
